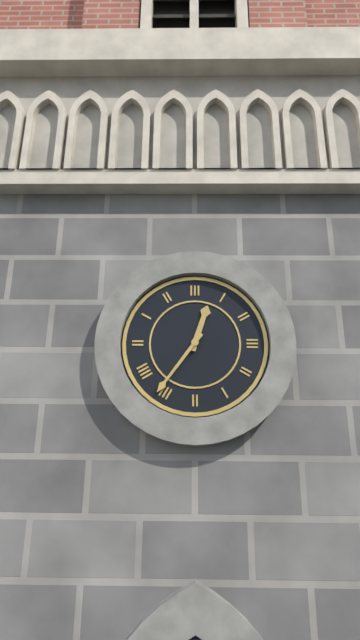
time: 12:36
